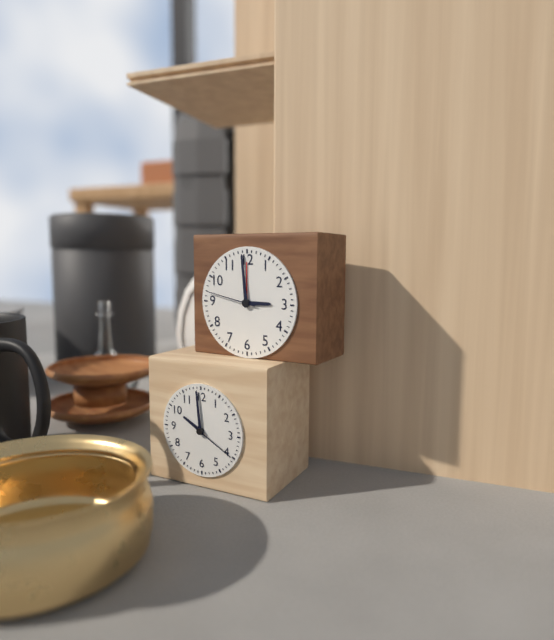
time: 2:59:47
